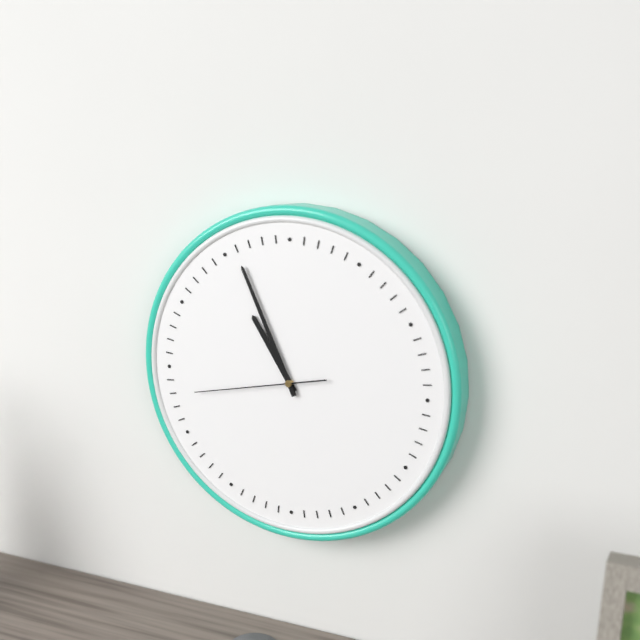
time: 10:56:43
